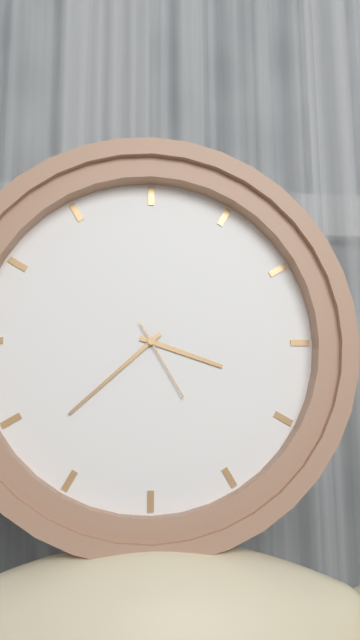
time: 3:38:25
